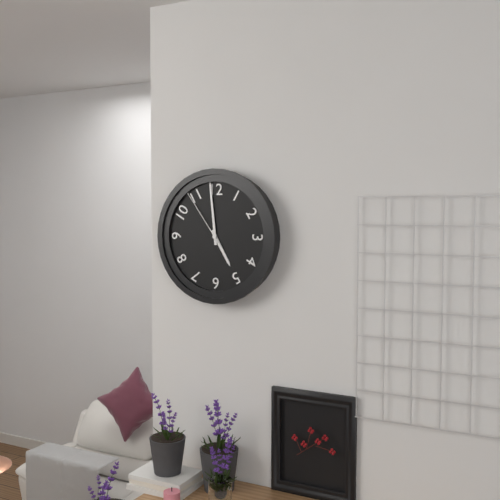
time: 4:59:54
